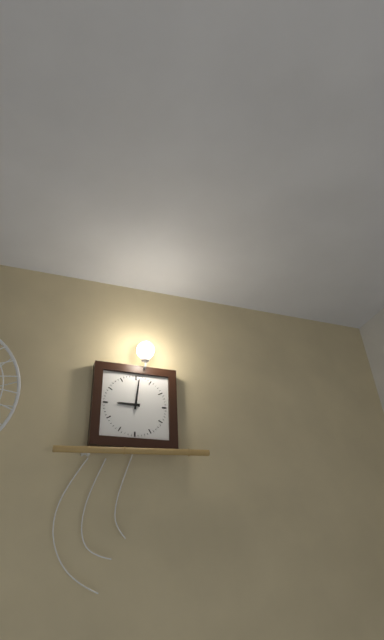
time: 9:01
